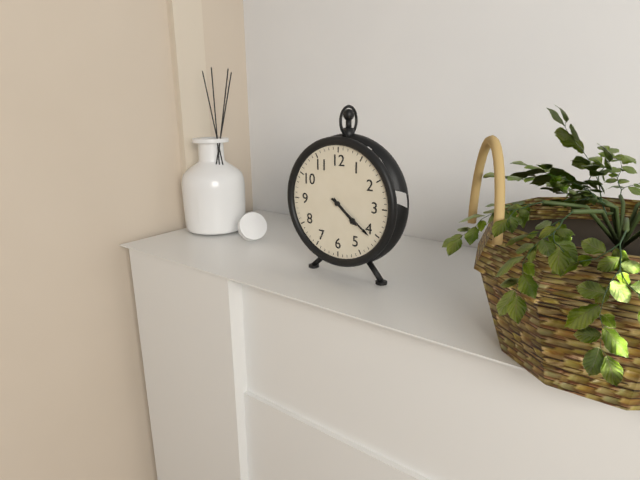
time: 4:21
